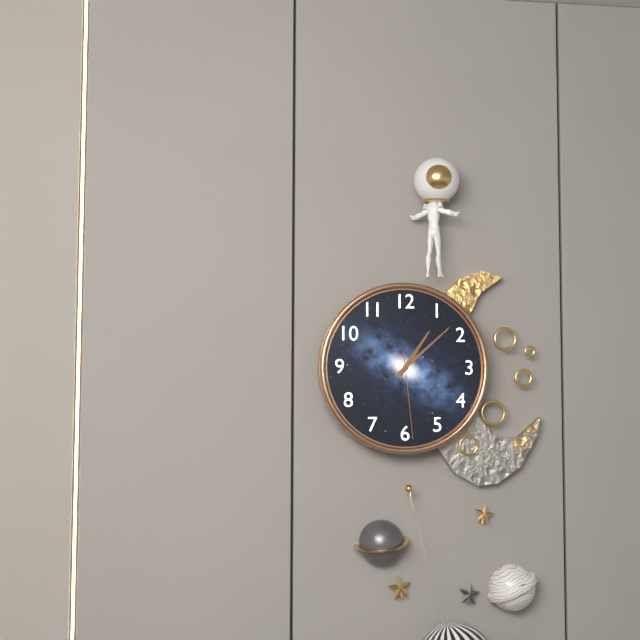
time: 1:08:29
